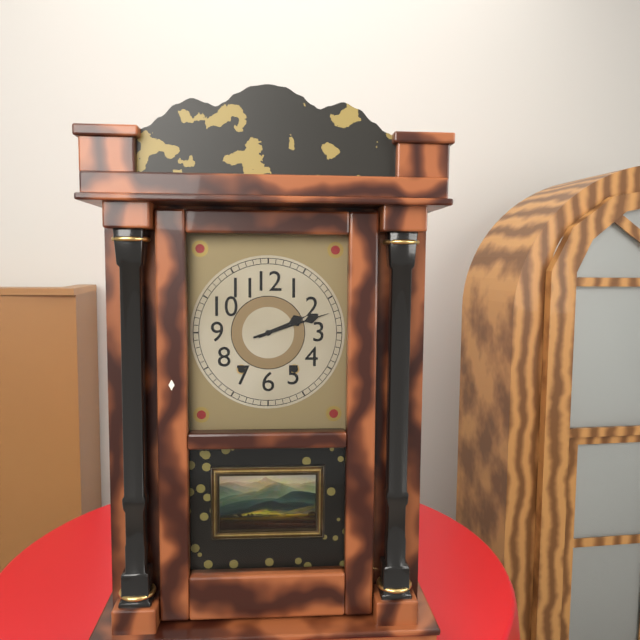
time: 2:12
